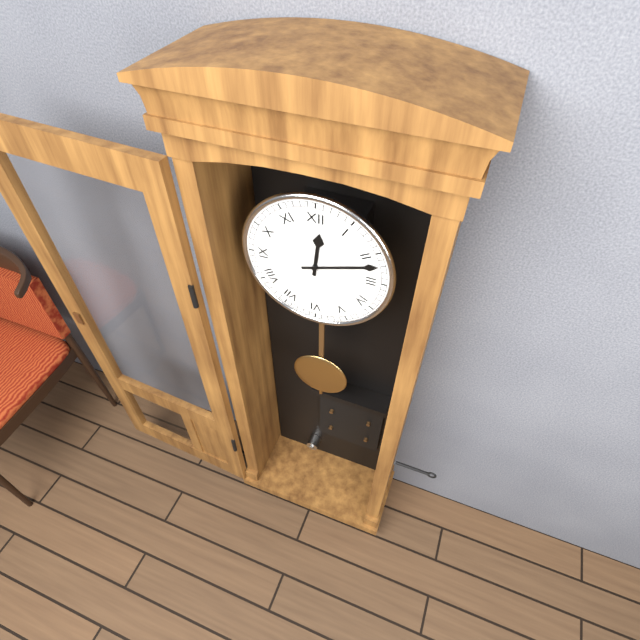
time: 12:12
